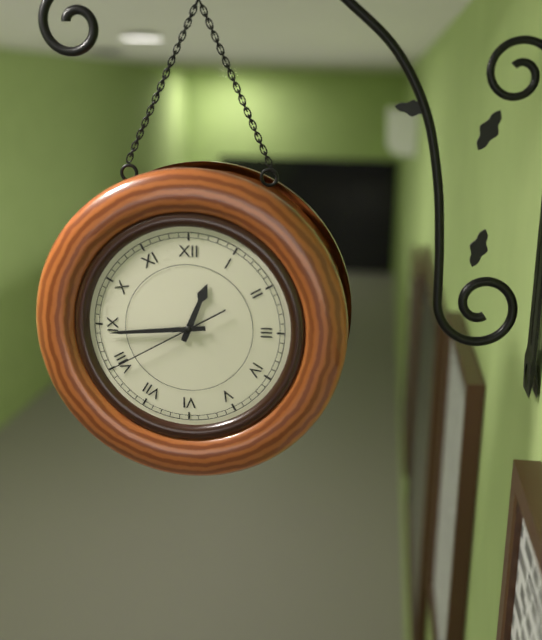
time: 12:44:40
